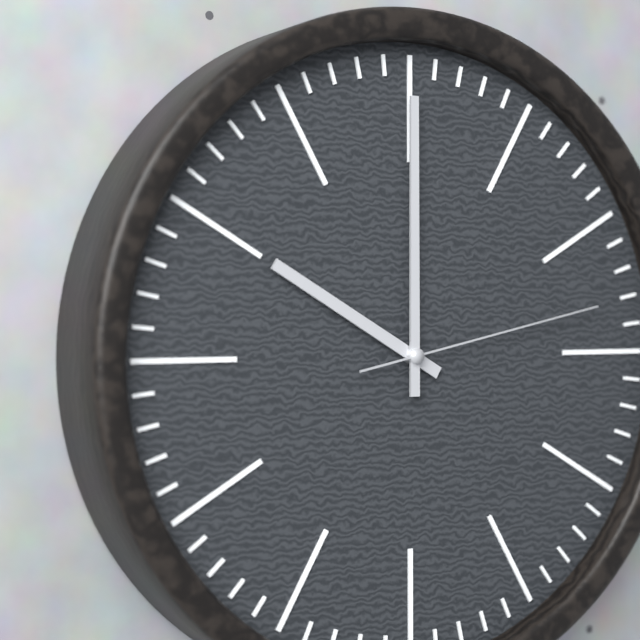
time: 10:00:13
